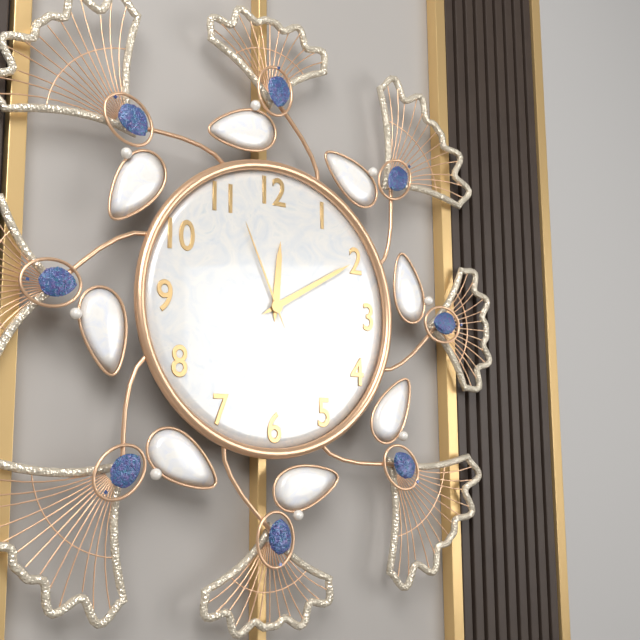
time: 12:10:56
